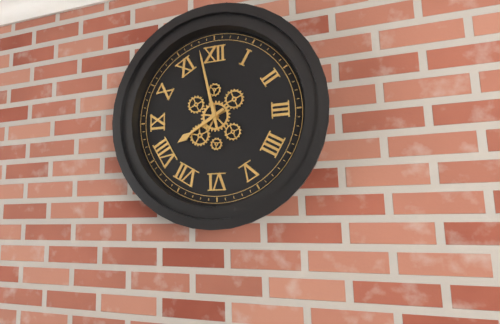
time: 7:58
